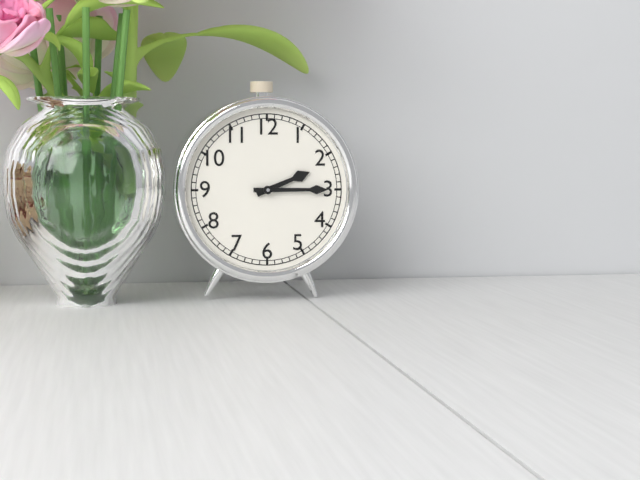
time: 2:15
